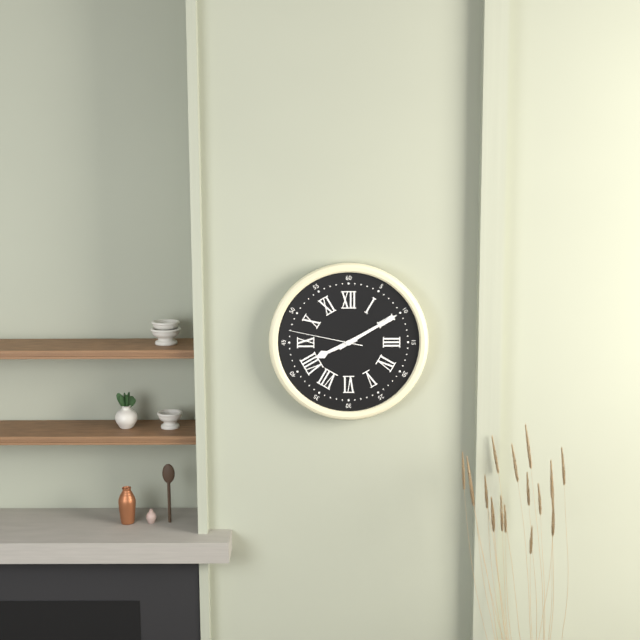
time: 8:10:47
